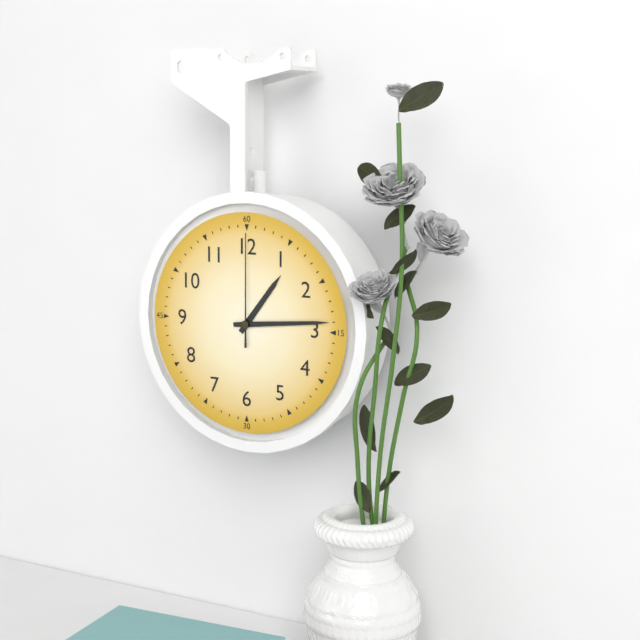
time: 1:14:00
